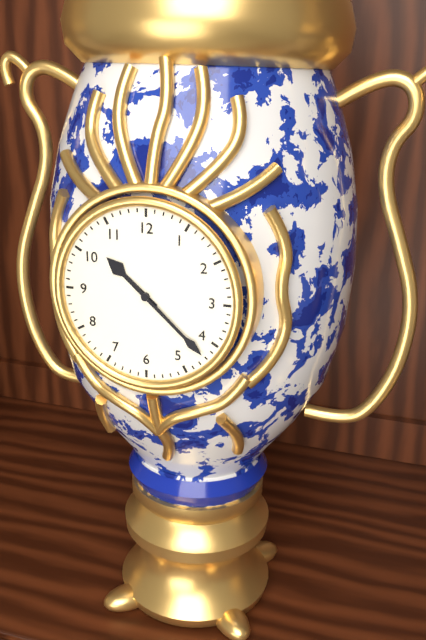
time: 10:22
